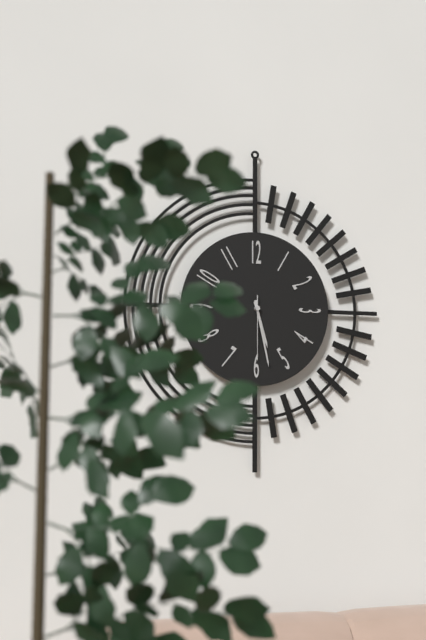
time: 5:28:30
